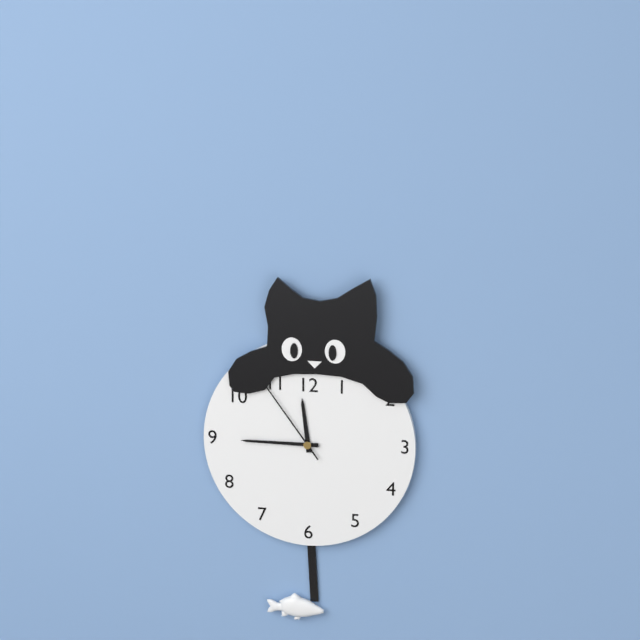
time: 11:45:54
